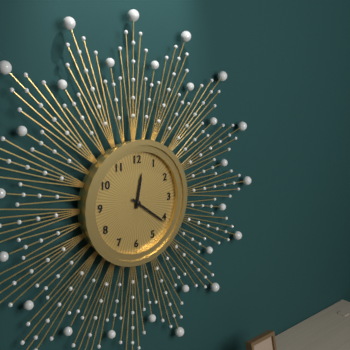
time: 12:21
